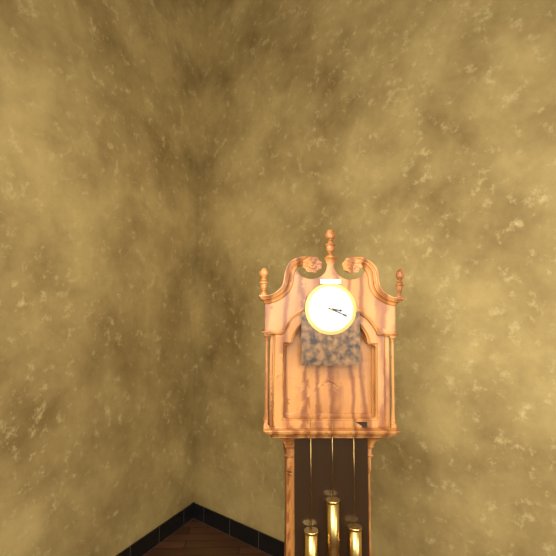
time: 3:19
